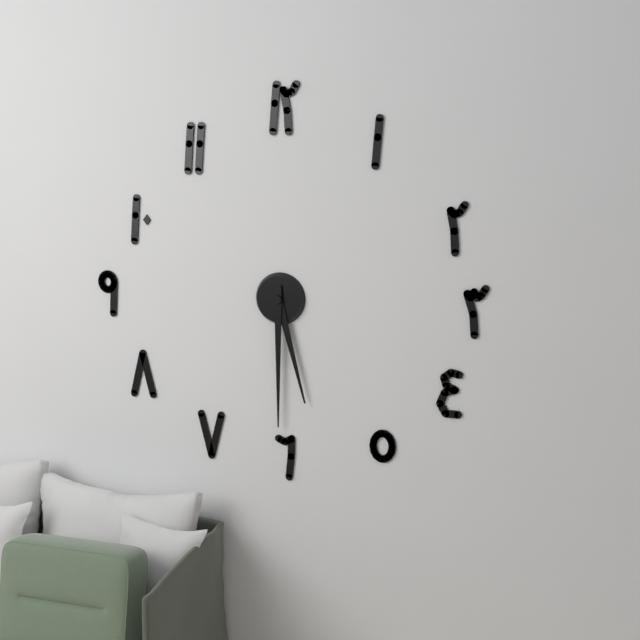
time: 5:30
